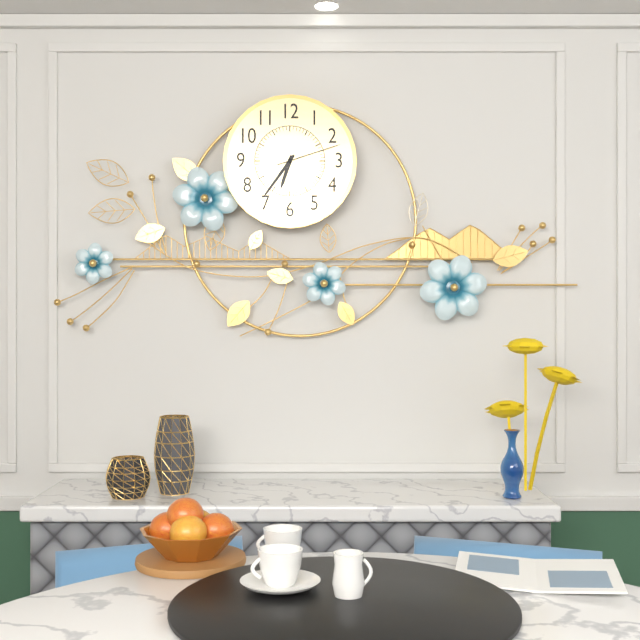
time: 6:36:12
